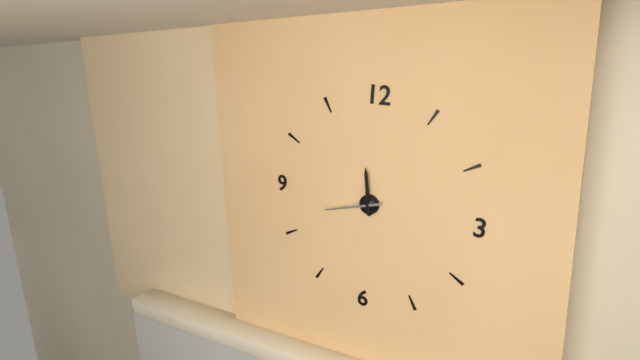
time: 11:42
